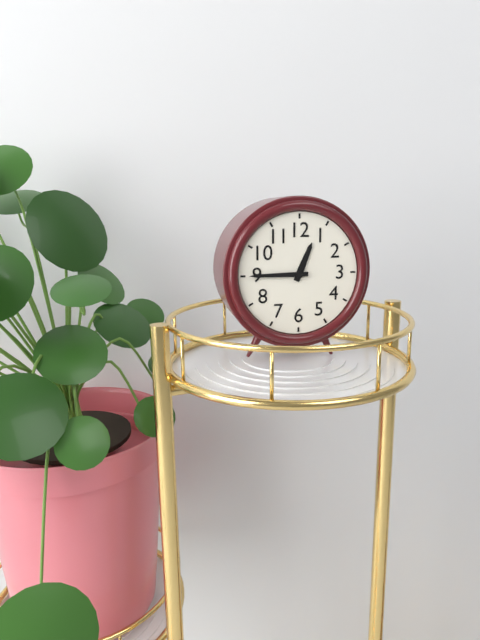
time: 12:45
